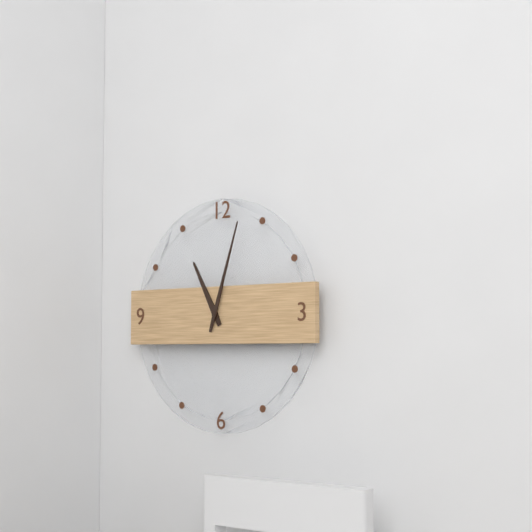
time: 11:03
